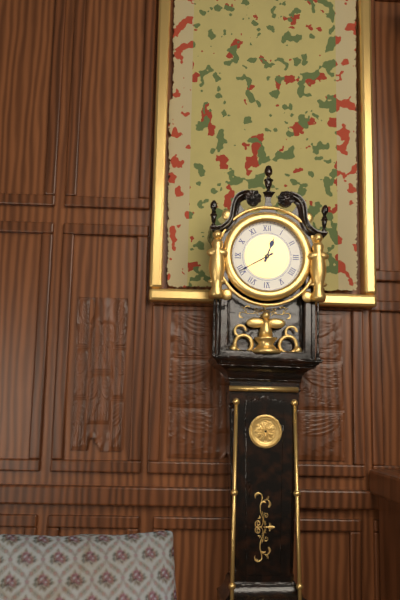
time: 12:40
